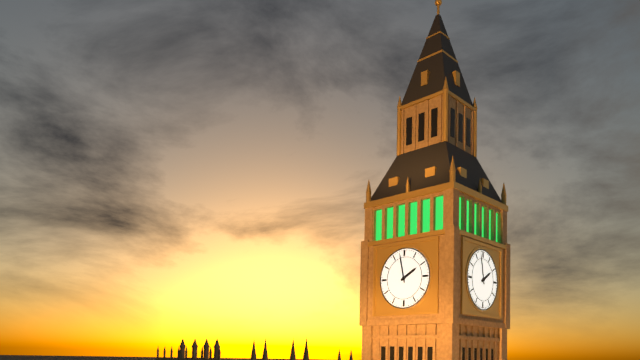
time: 1:58
